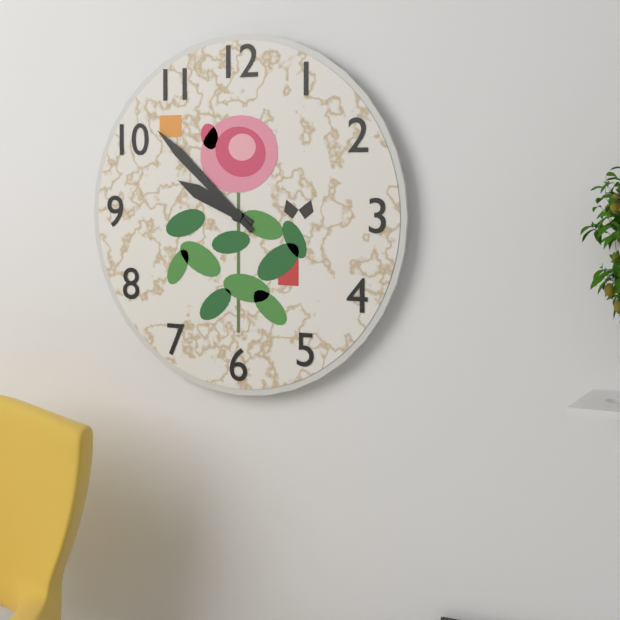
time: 9:52
